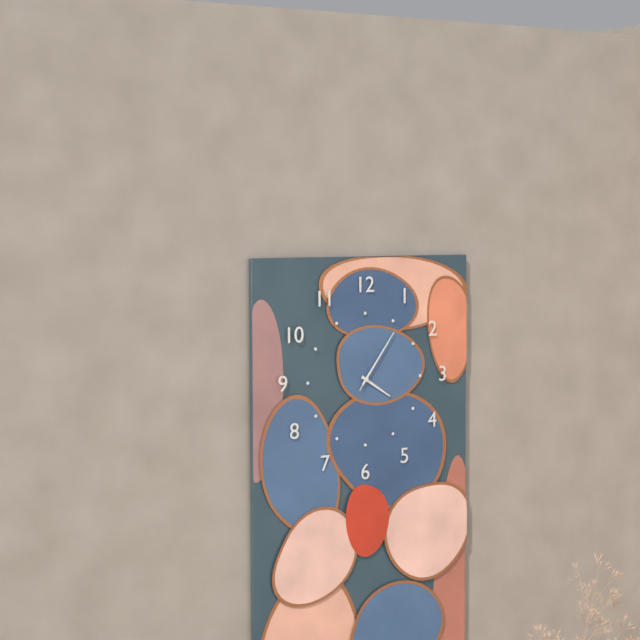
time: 4:06:06
